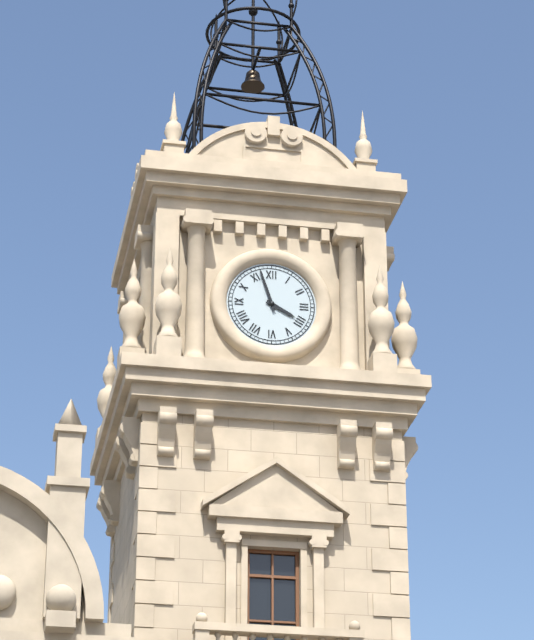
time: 3:57
